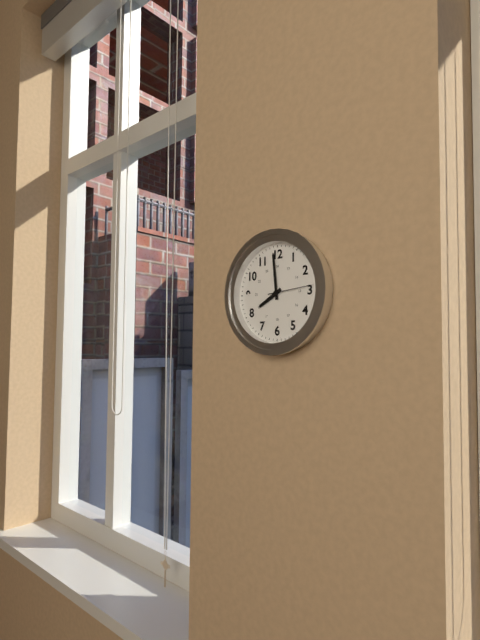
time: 7:59
